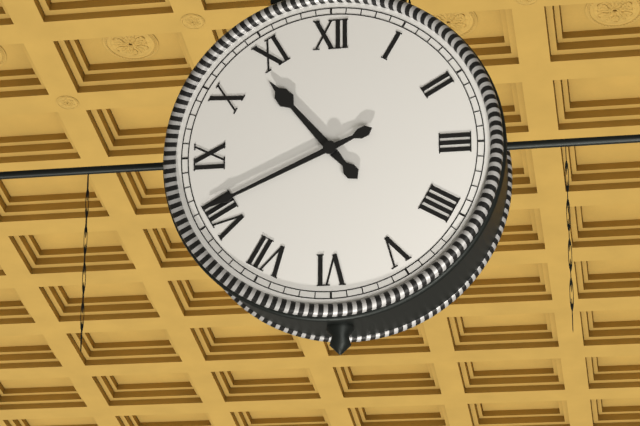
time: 10:41
